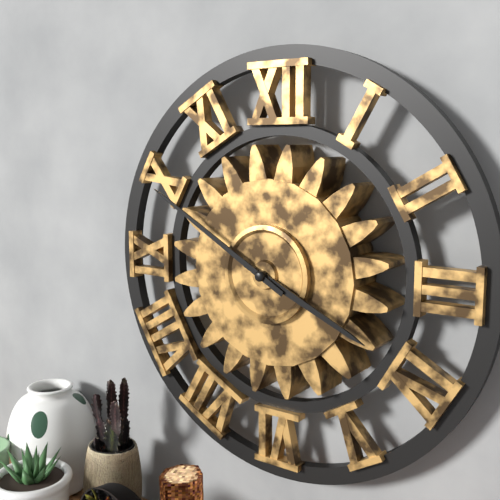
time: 3:50
